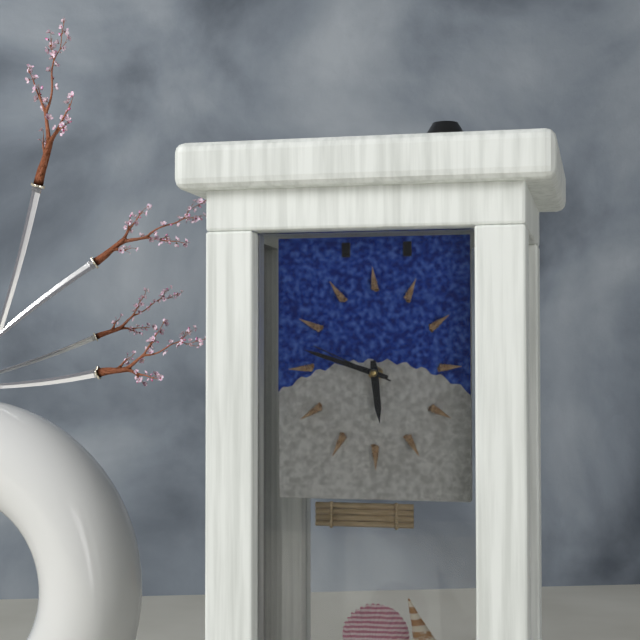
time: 5:48:49
